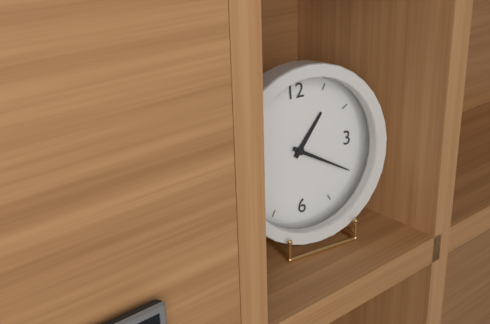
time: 1:20
